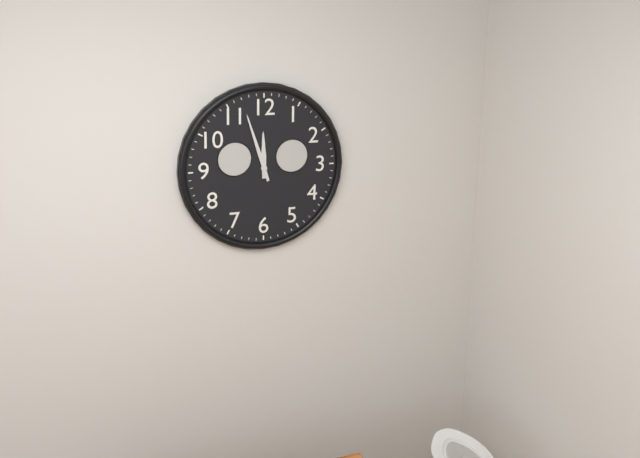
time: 11:57
